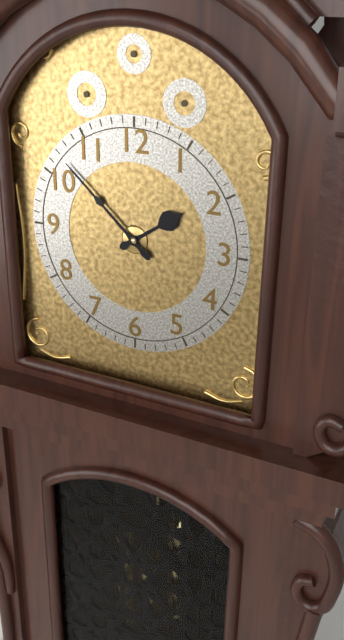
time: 1:52
